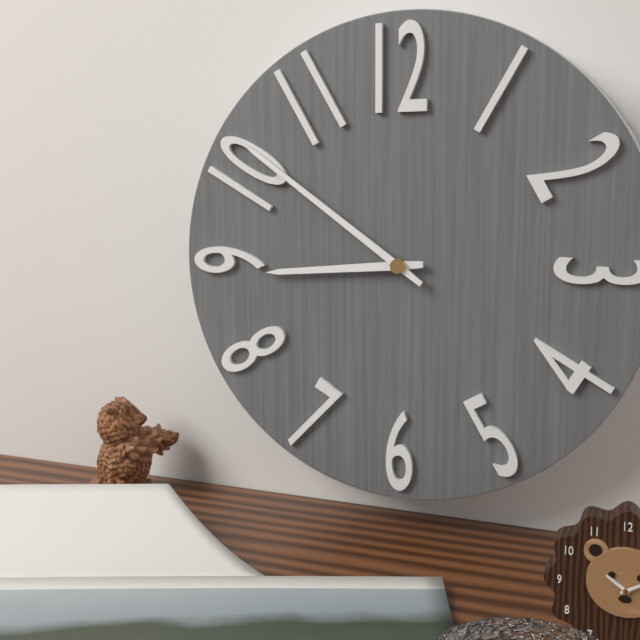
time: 8:51
